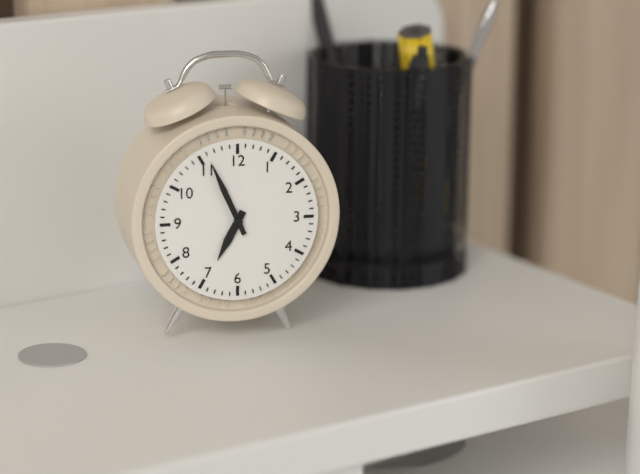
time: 6:56
